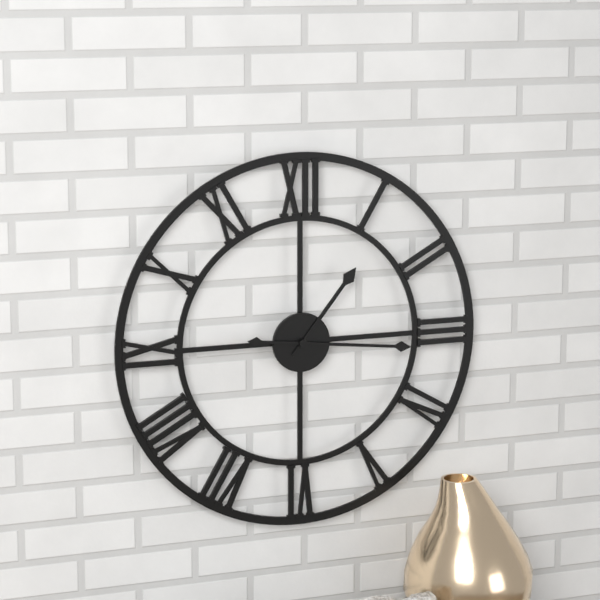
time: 1:16
